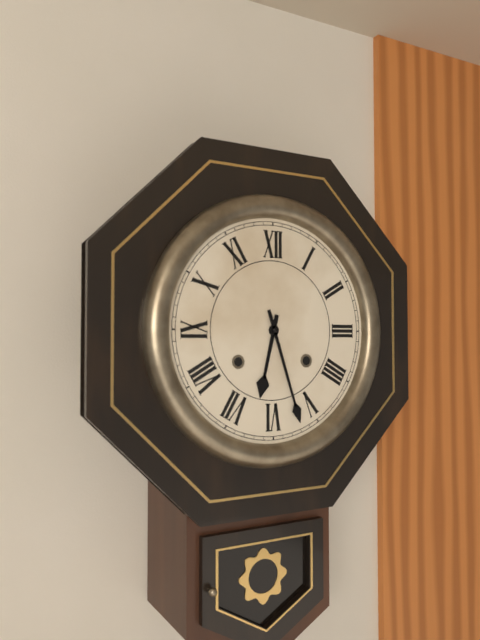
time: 6:27
